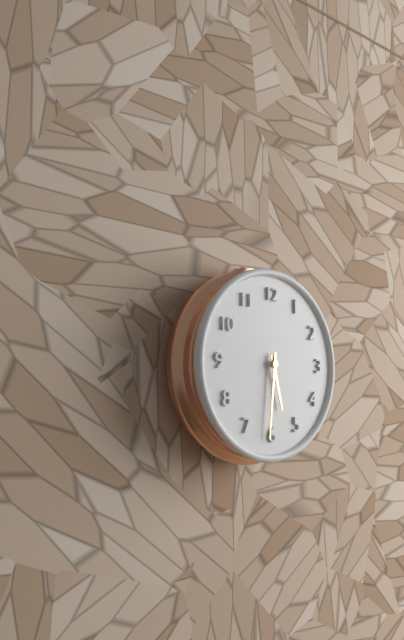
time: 5:31
